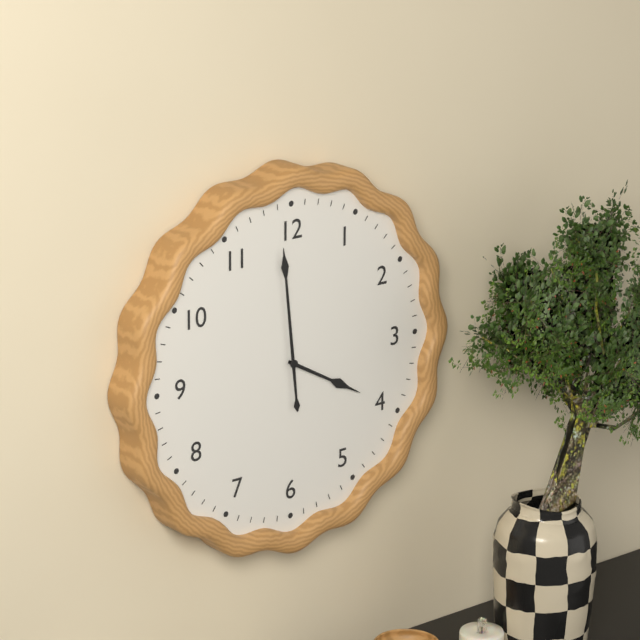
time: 3:59
